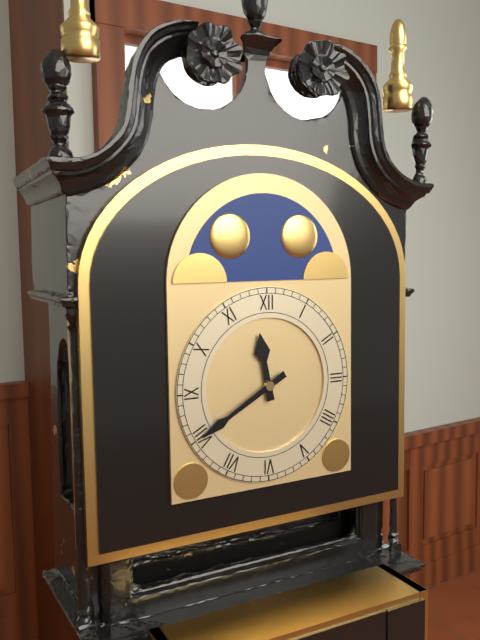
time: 11:40
